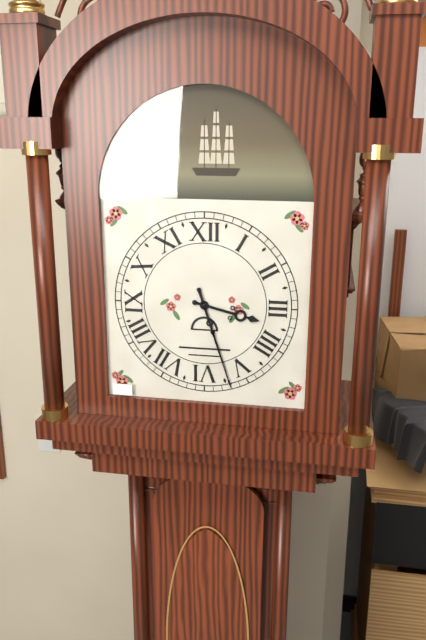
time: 3:27
